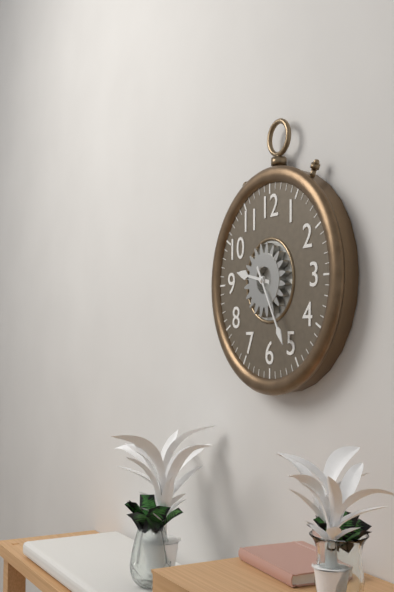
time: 9:25
